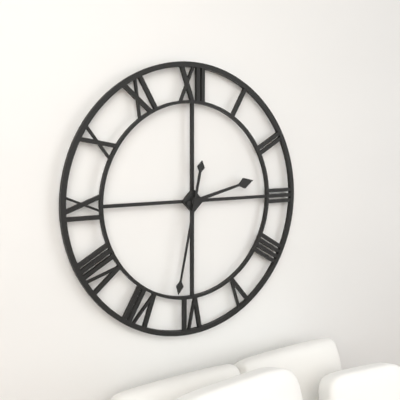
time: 2:32
